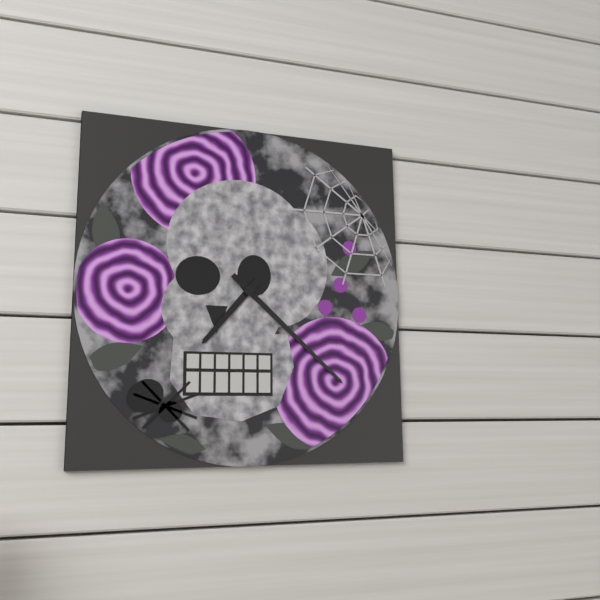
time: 7:22
